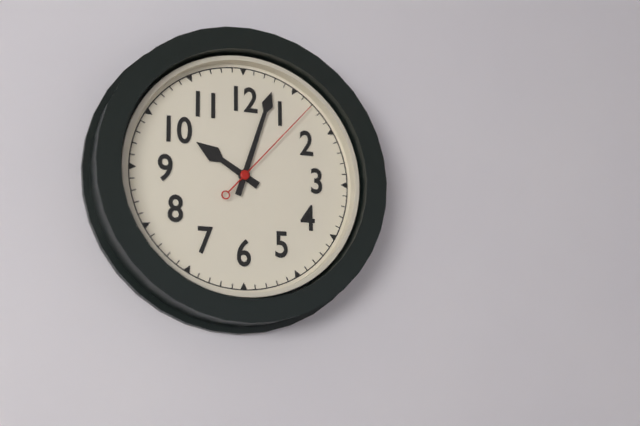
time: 10:03:07
